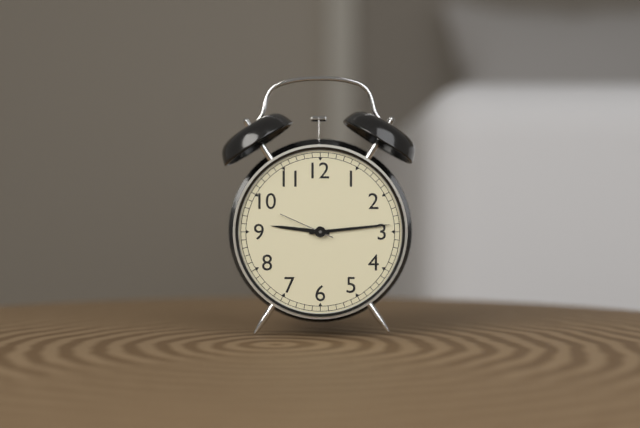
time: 9:14:49
